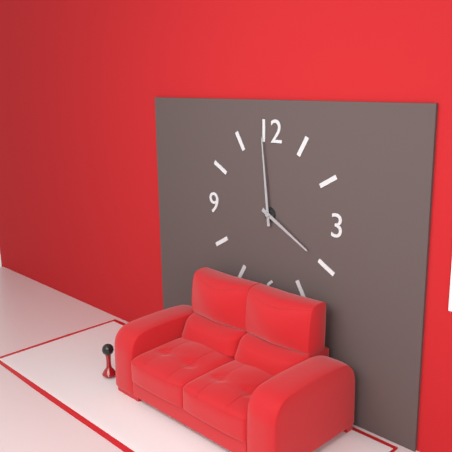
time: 3:59
